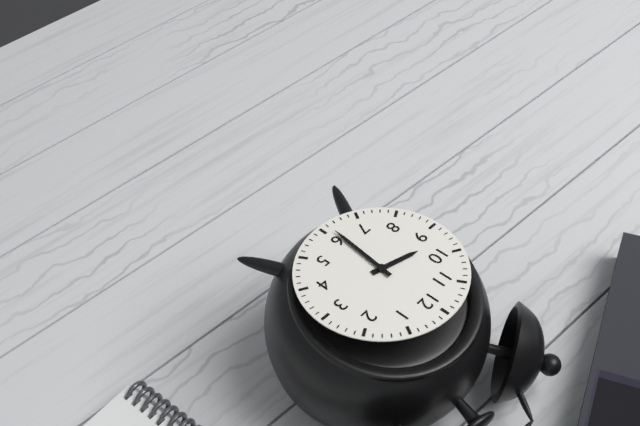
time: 9:31
